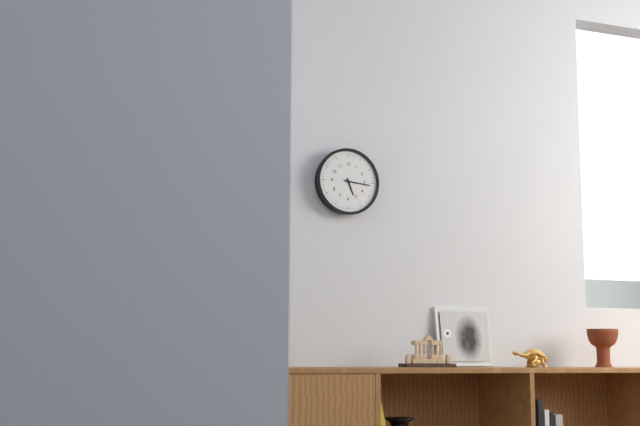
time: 5:16
